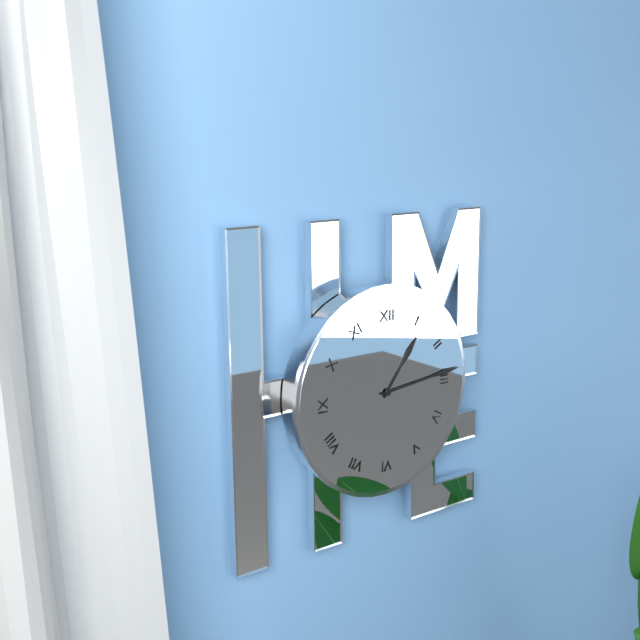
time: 1:14
